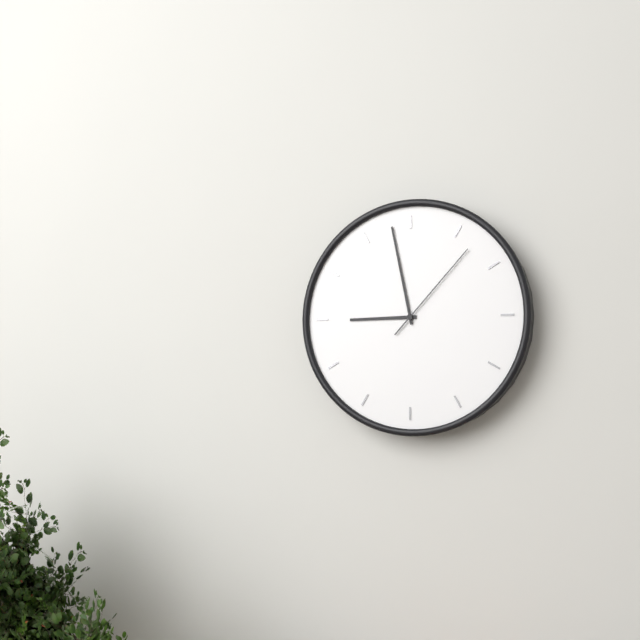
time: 8:58:07
